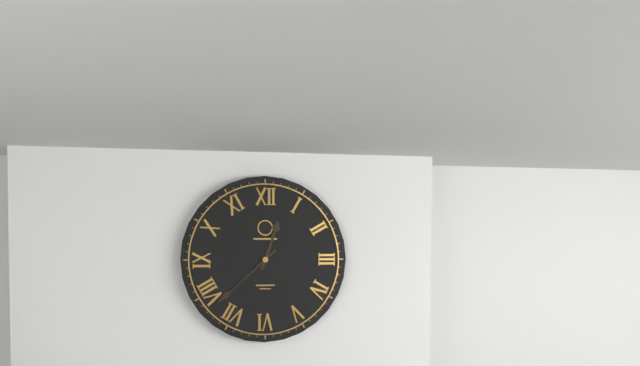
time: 12:38
